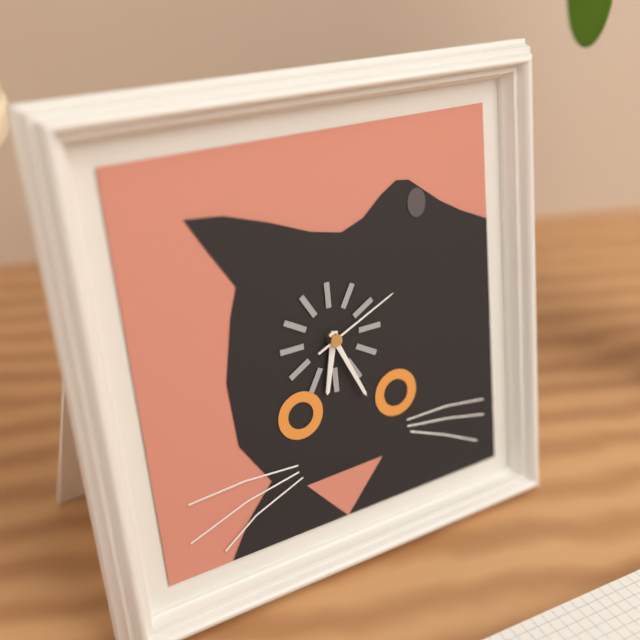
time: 6:26:11
